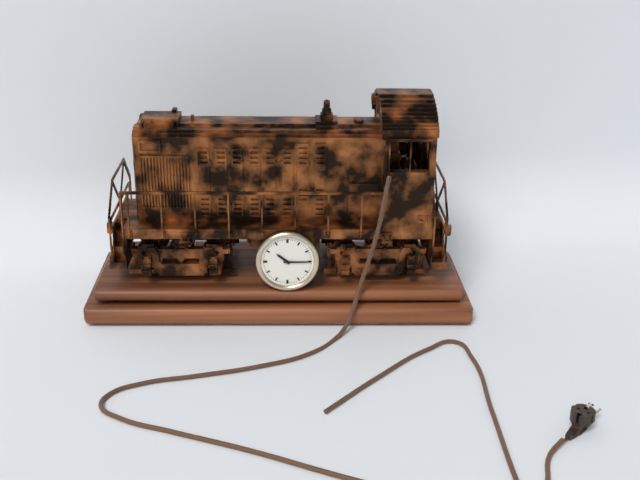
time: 10:15
